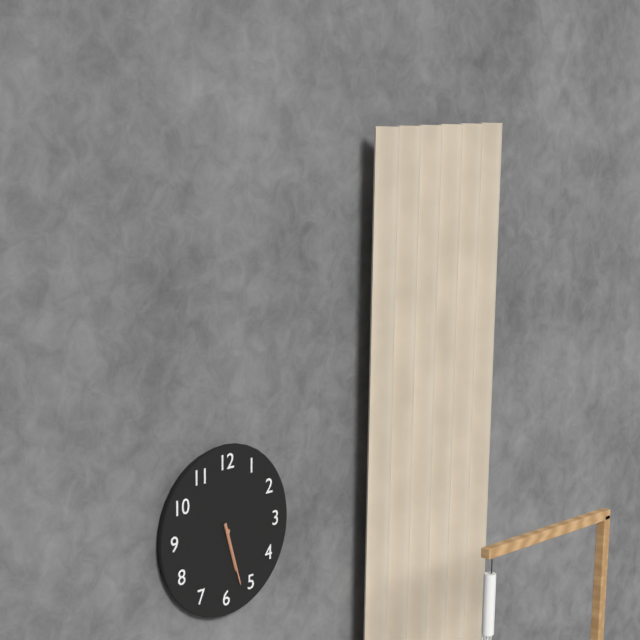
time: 5:27
